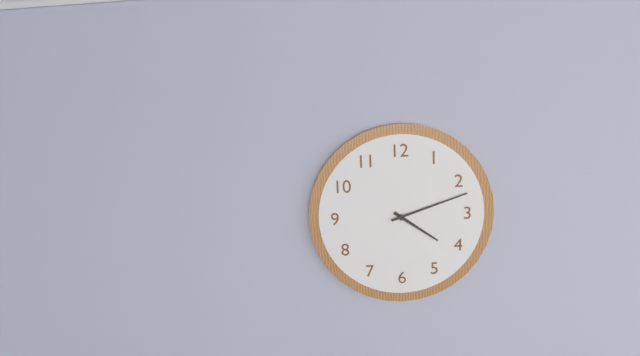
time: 4:12
